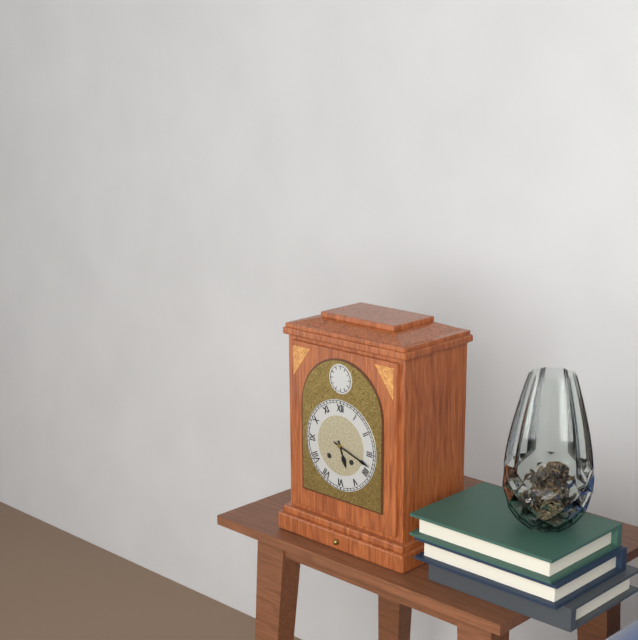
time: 5:18
